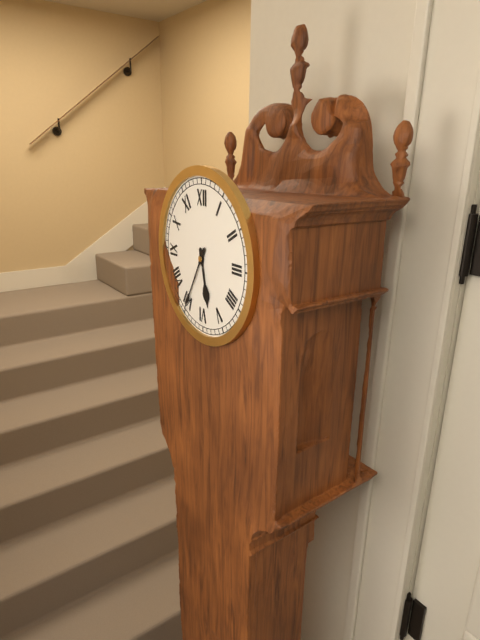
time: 5:35
